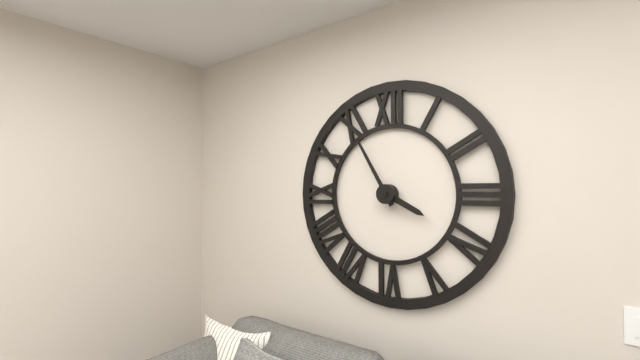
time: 3:55
